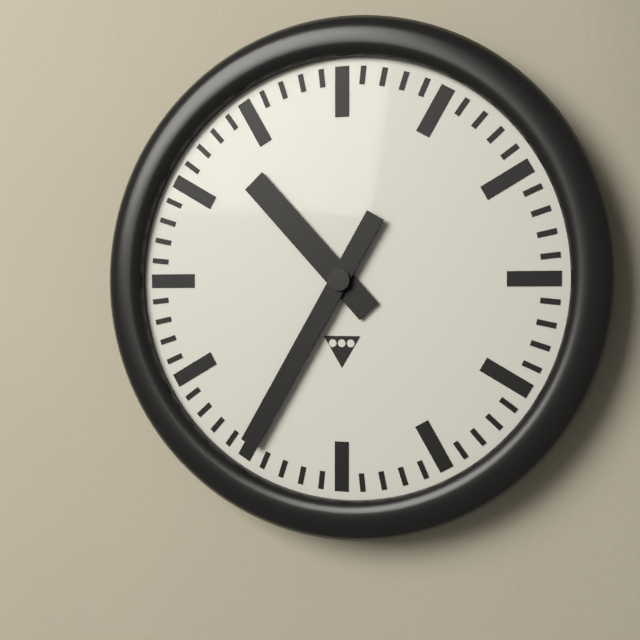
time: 10:35
